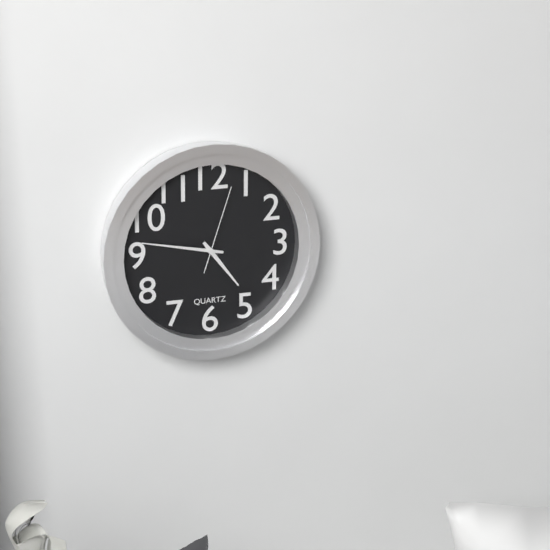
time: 4:47:03
